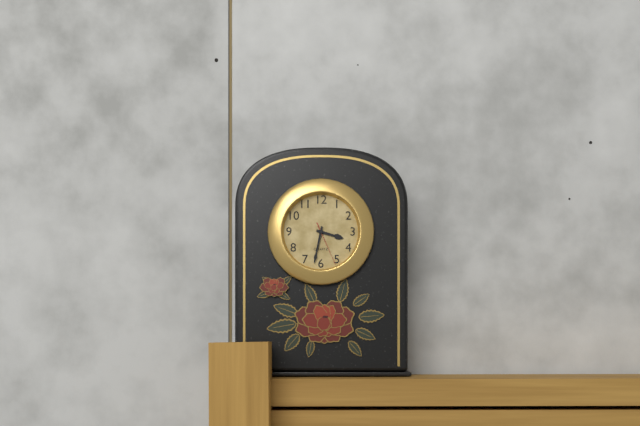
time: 3:32
